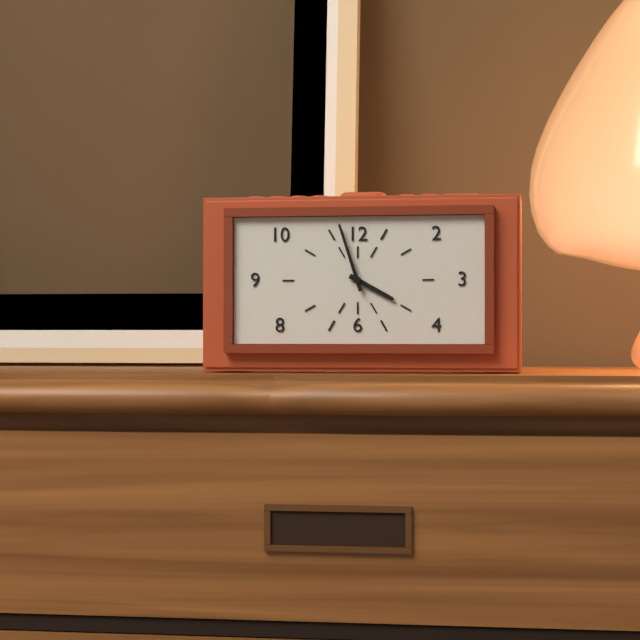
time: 3:57
